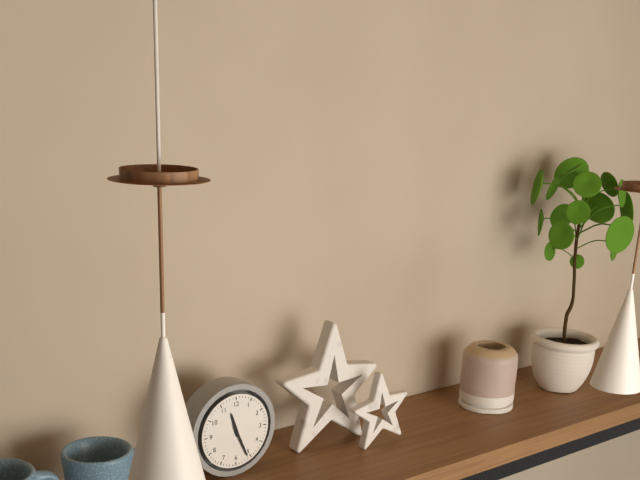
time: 11:26
